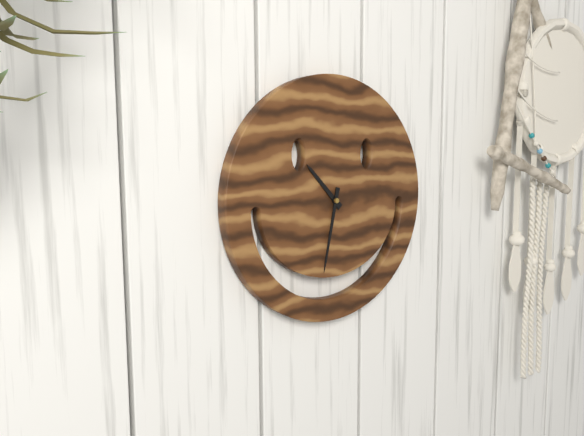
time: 10:32
